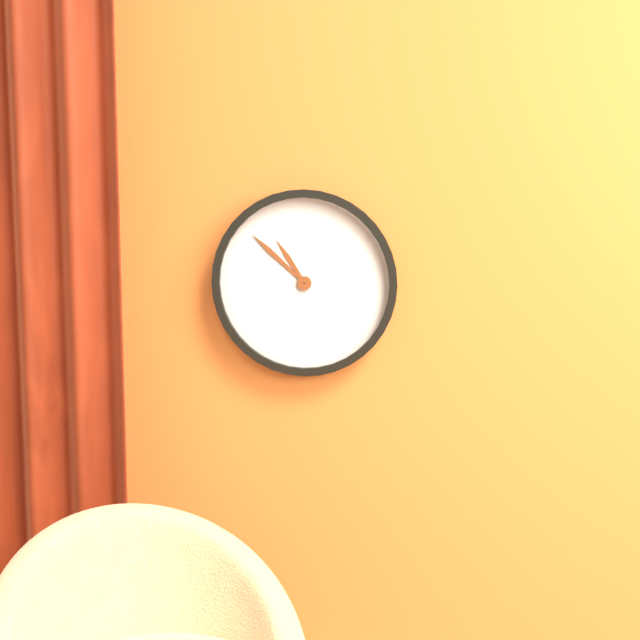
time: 10:52
